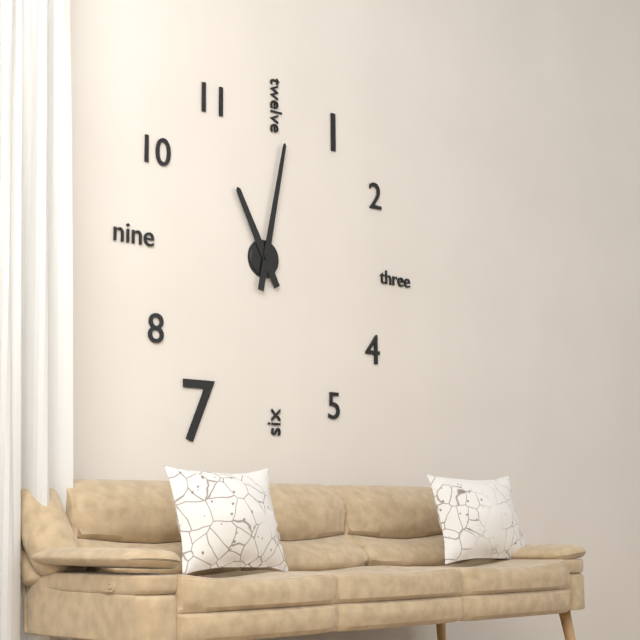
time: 11:02
